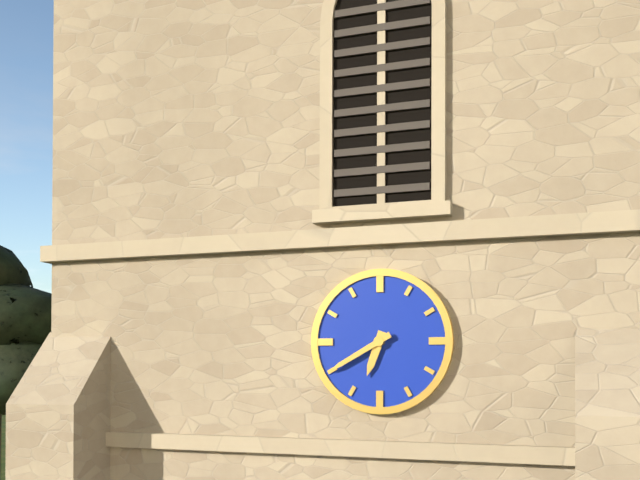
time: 6:40
